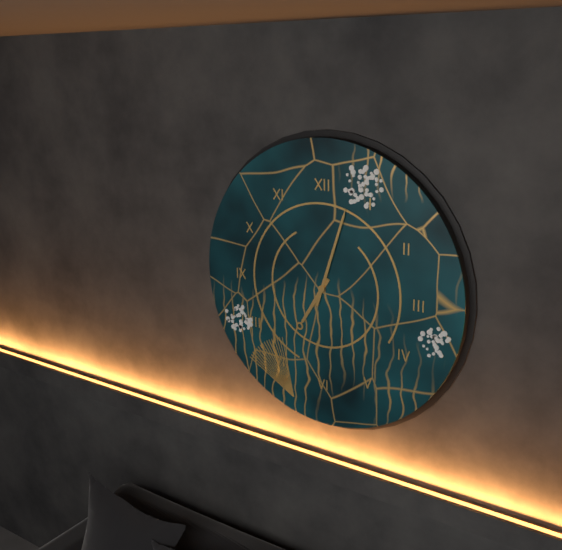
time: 7:03
